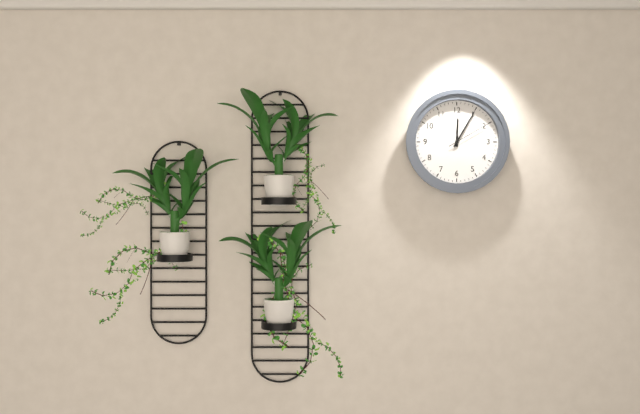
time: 12:05
